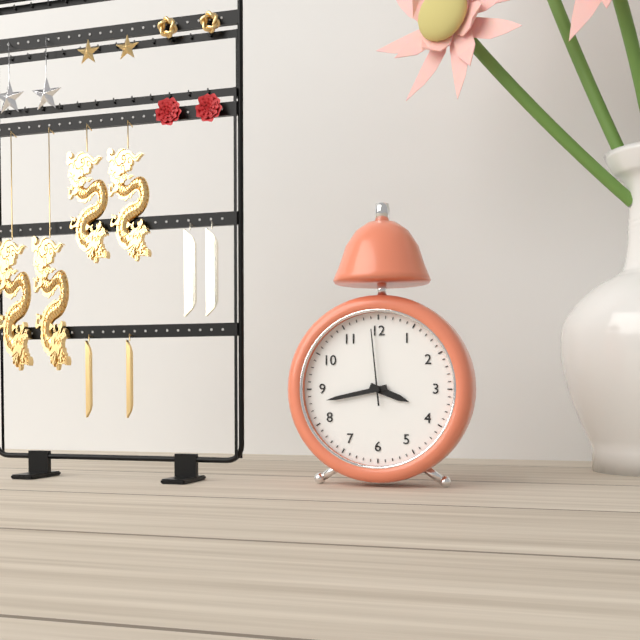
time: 3:43:59
